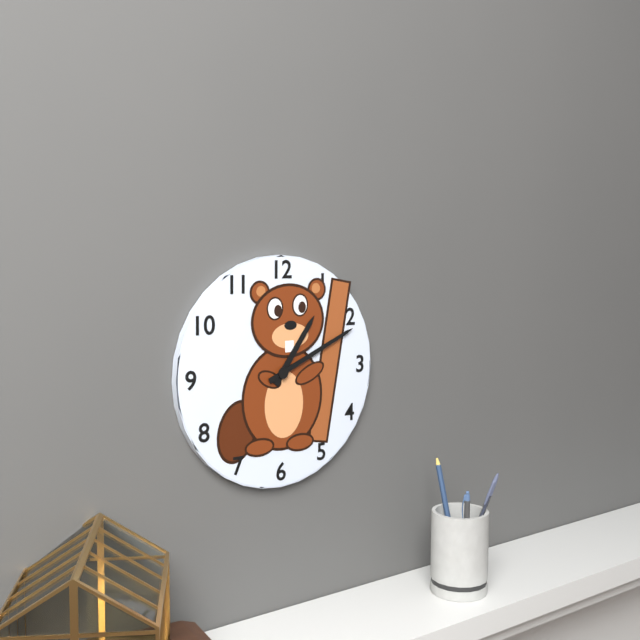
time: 1:11
